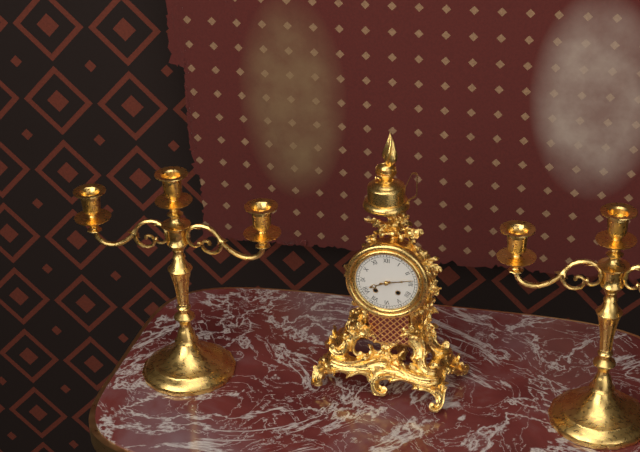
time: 8:13
